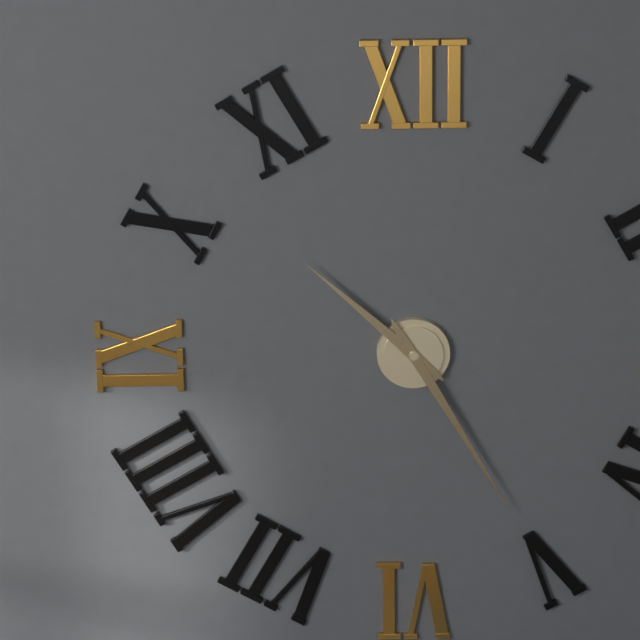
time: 10:25
